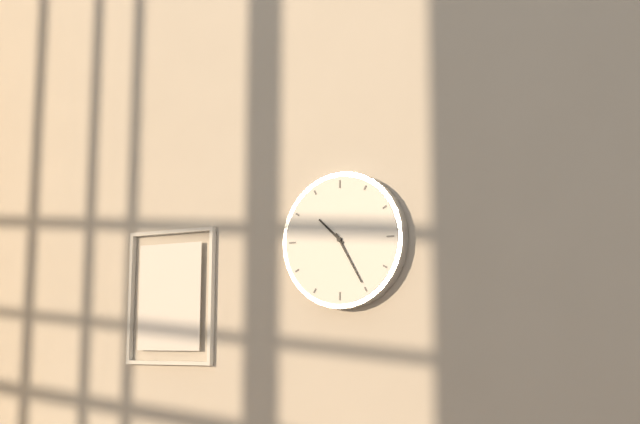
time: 10:25
